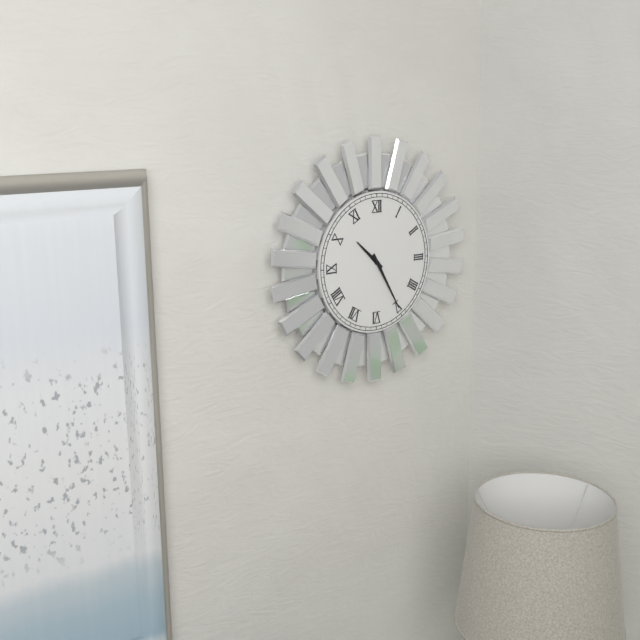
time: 10:25
